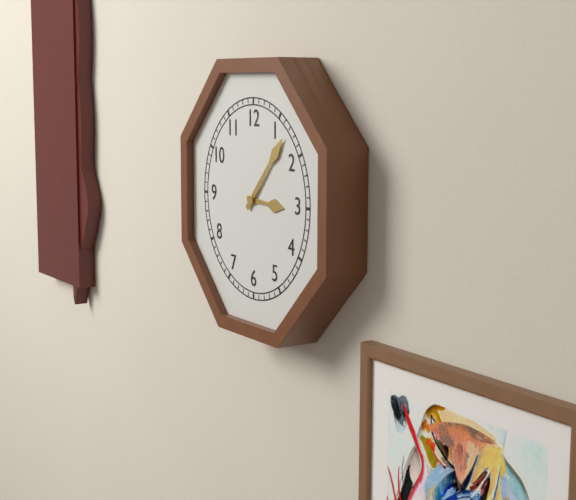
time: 3:07
